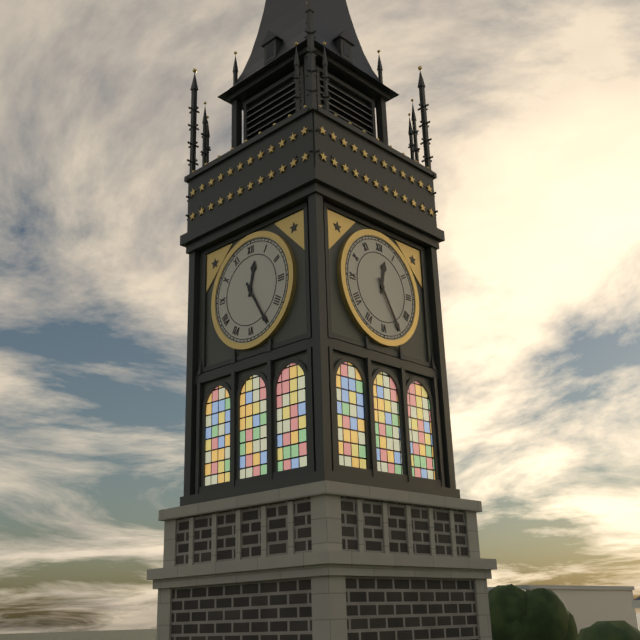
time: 12:25
